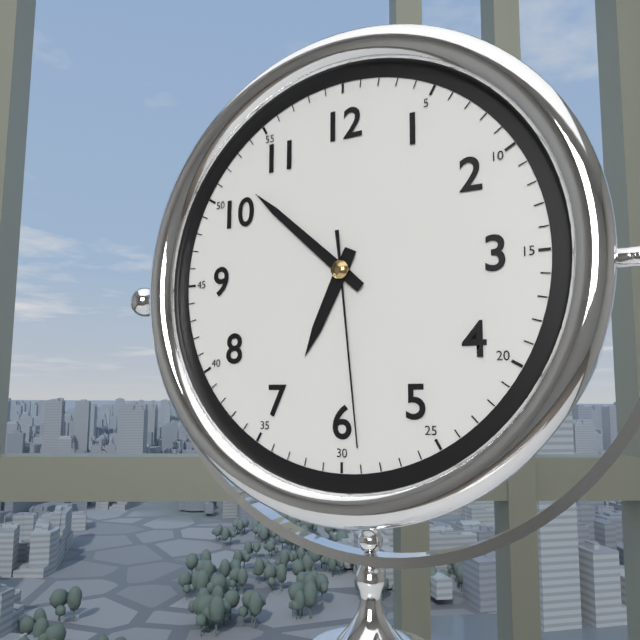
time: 6:52:29
